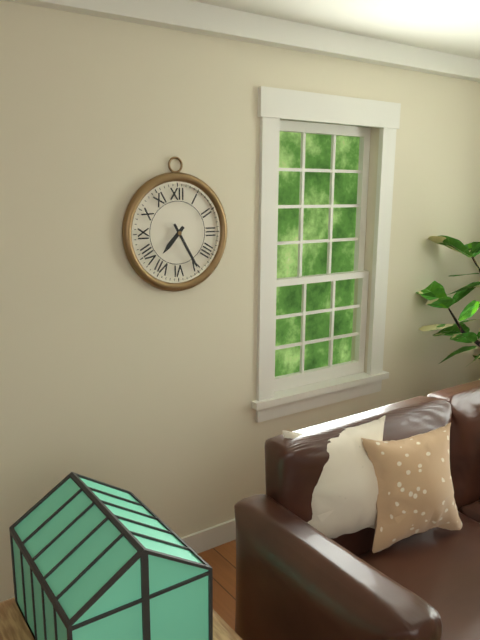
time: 7:25
